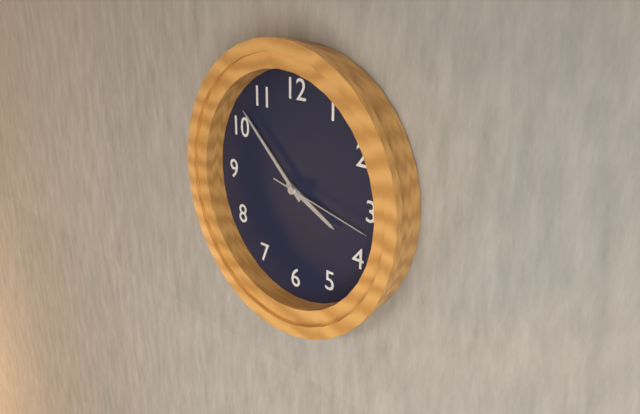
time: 3:52:17
